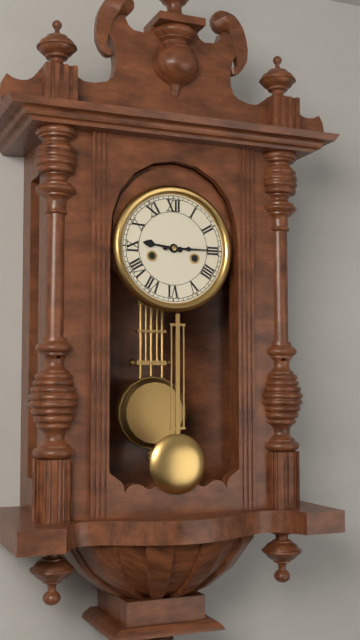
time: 9:15
